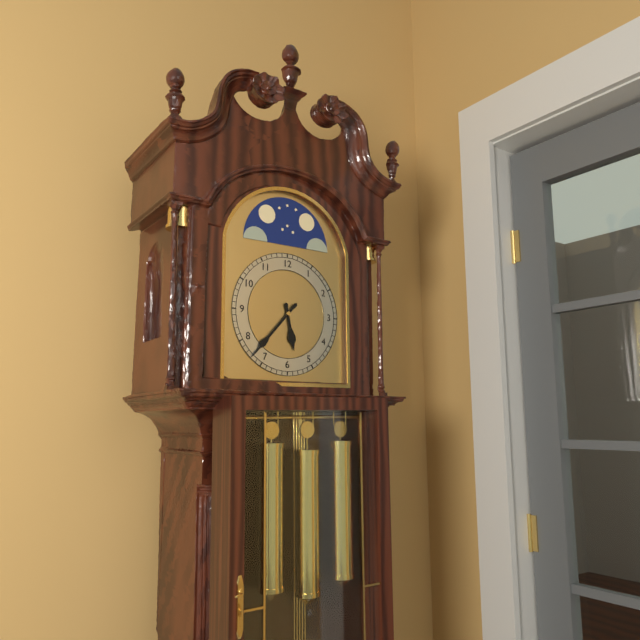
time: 5:37
